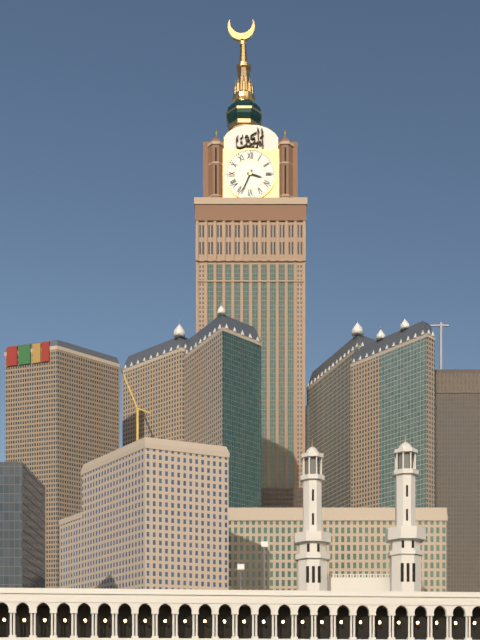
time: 3:34
